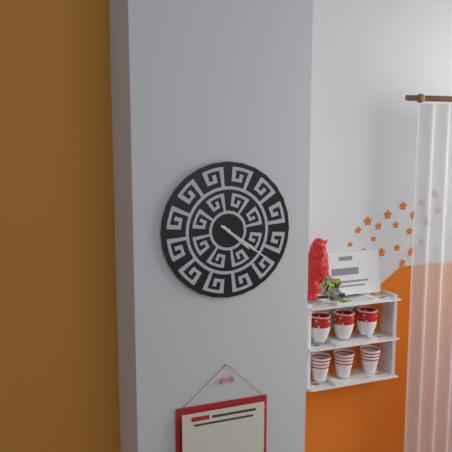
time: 4:21
